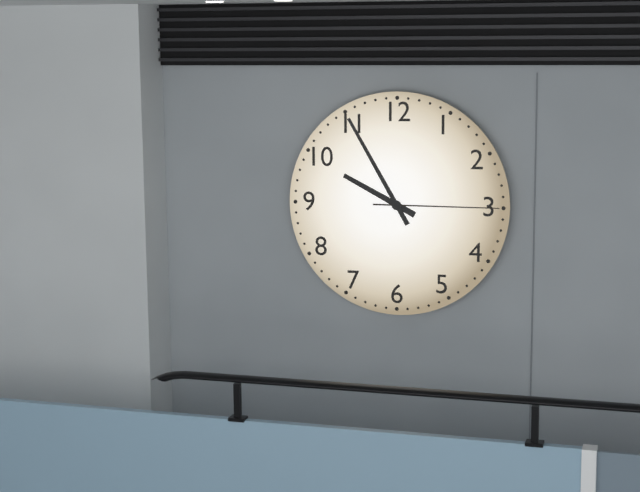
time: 9:55:15
